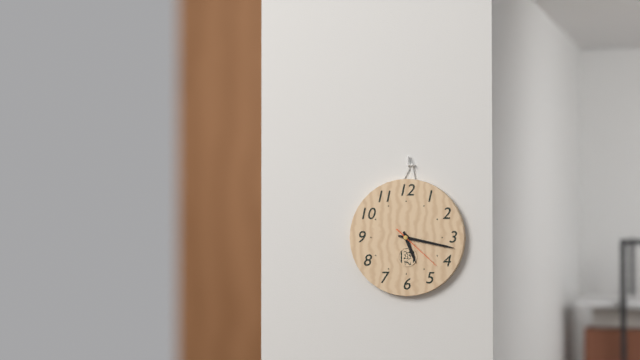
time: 5:17:22
